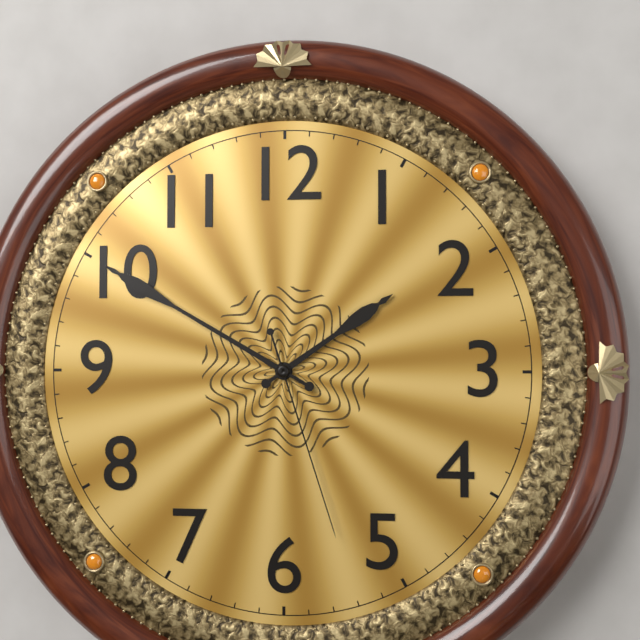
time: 1:50:27
